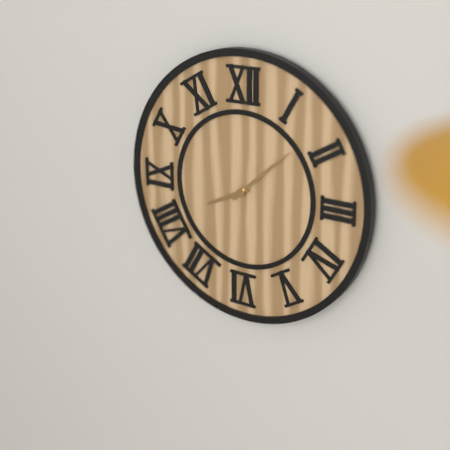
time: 8:08
